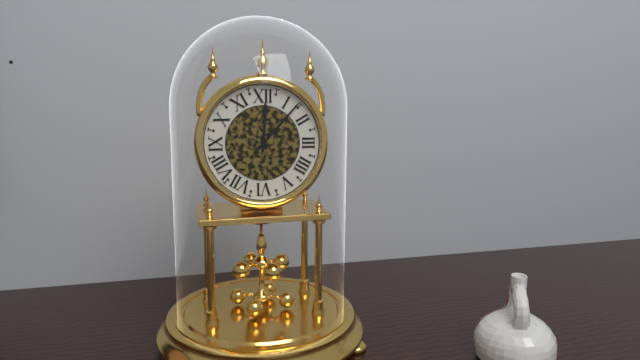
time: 12:07
